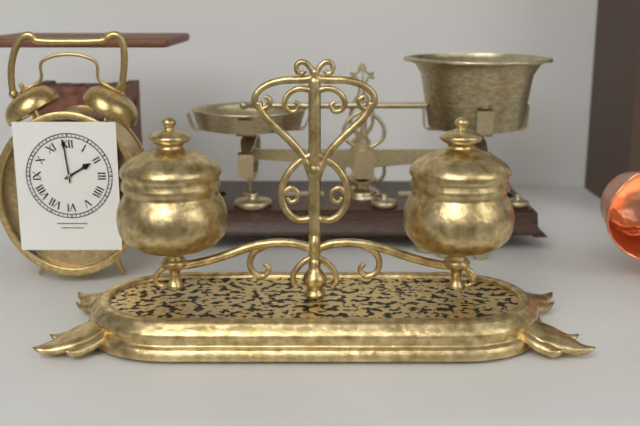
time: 1:59
